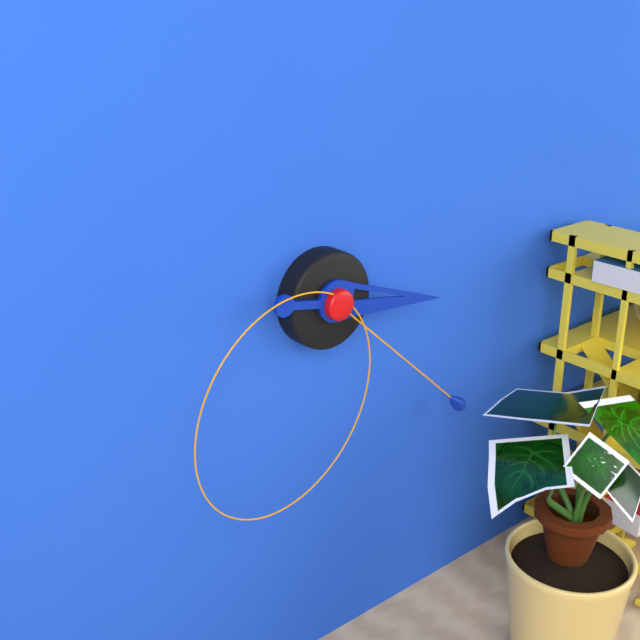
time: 3:22:36
